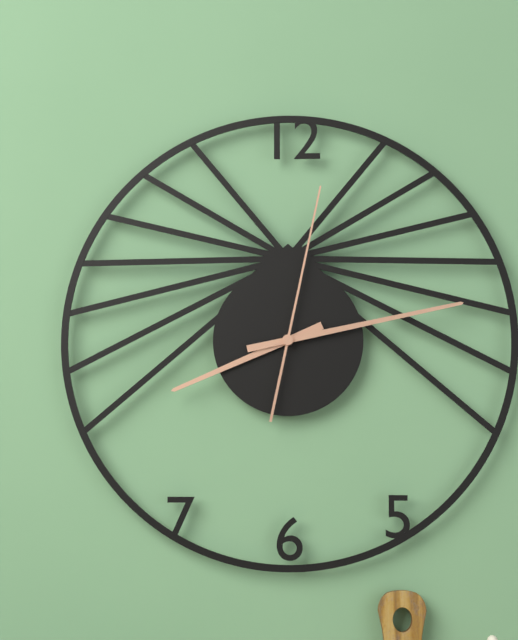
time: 8:13:02
